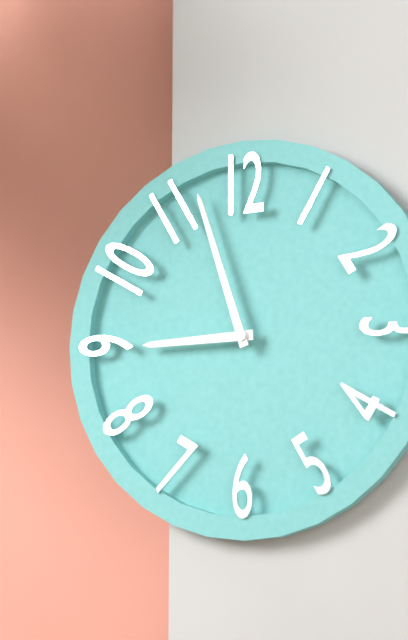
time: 8:57
